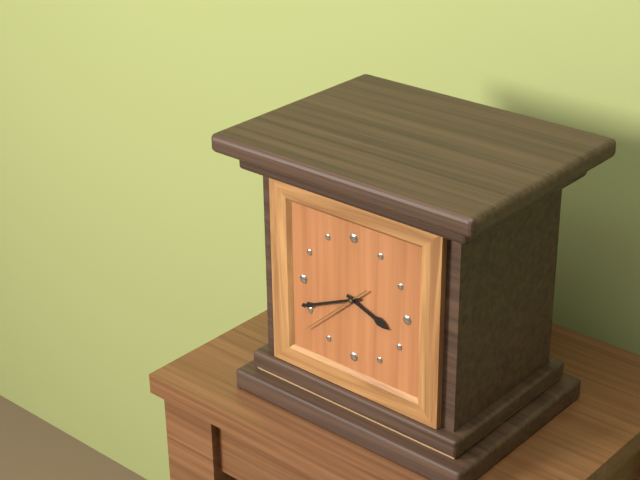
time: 3:41:38
